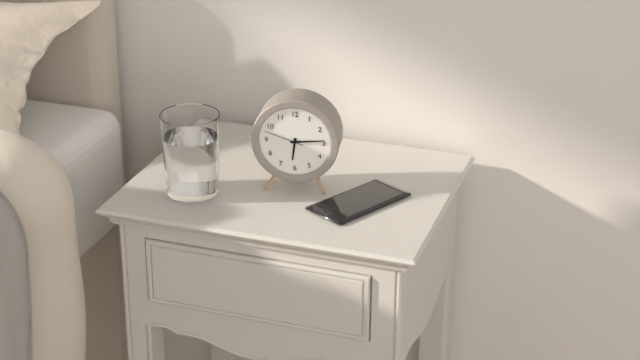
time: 6:14
